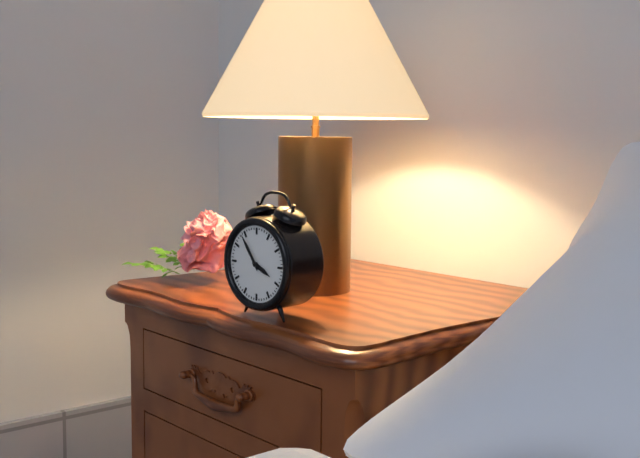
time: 3:54
